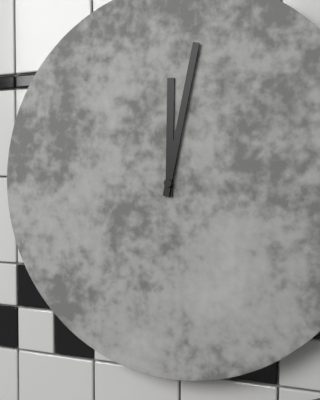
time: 12:02
